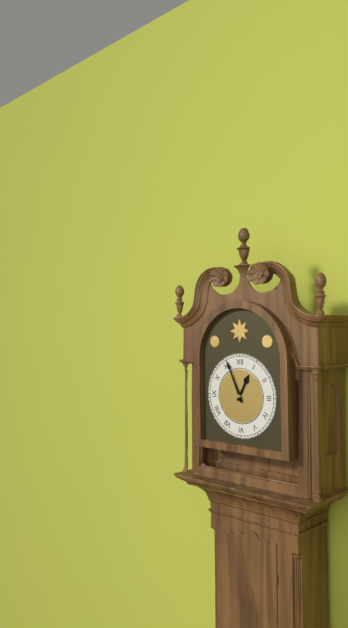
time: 12:56
